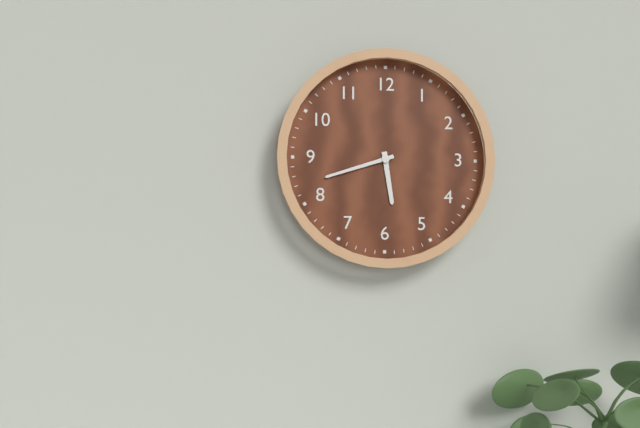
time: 5:42
